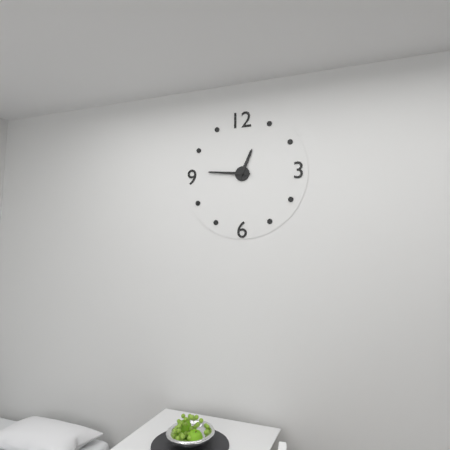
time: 12:46
